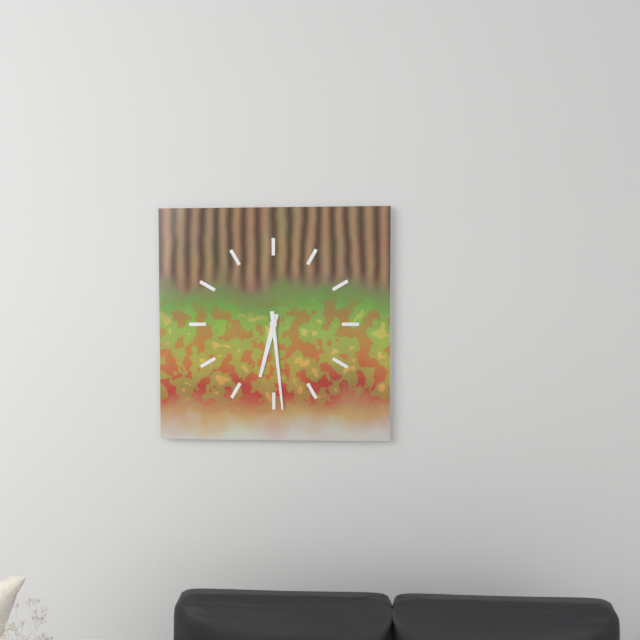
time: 6:29
